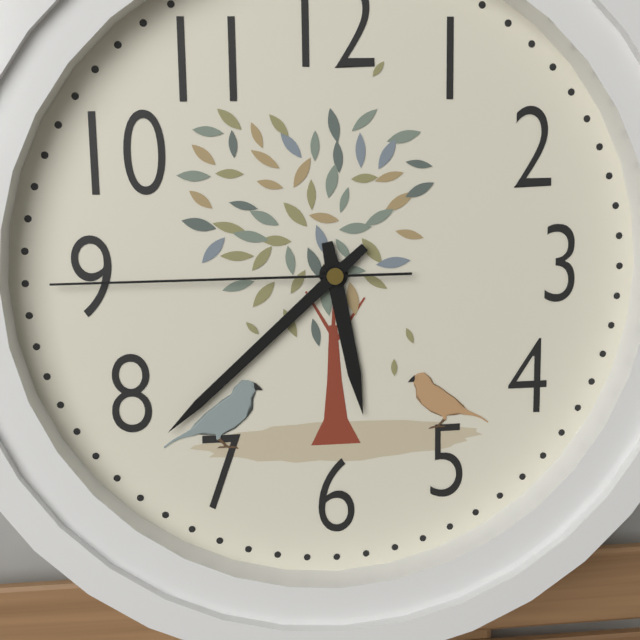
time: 5:38:45
